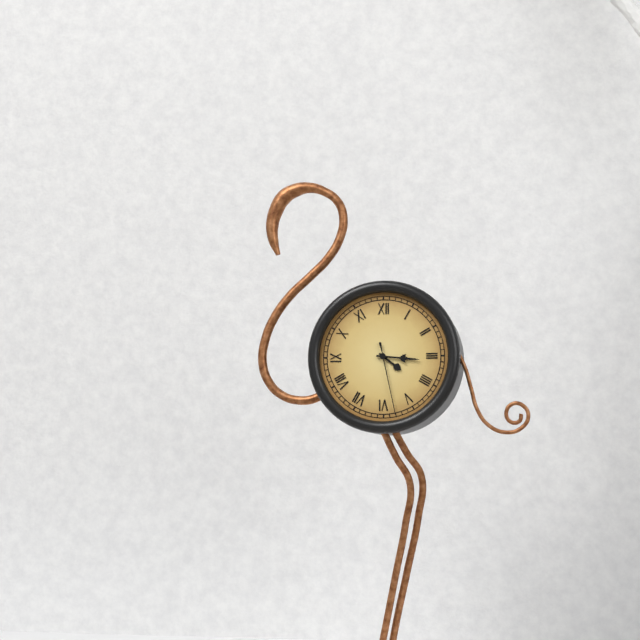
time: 4:16:28
